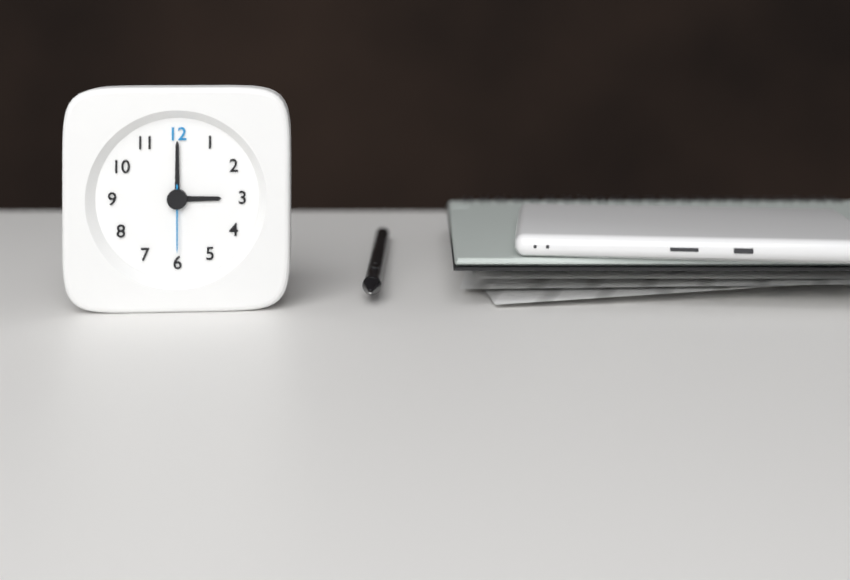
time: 3:00:30
